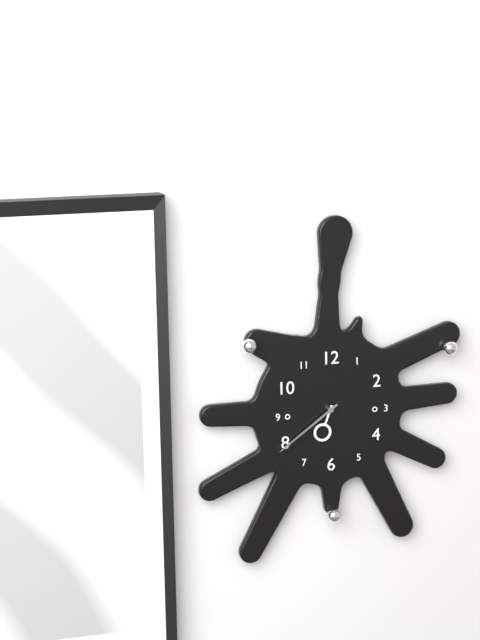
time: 6:39
